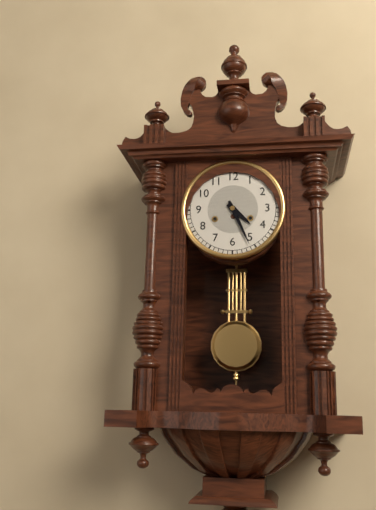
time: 4:26
